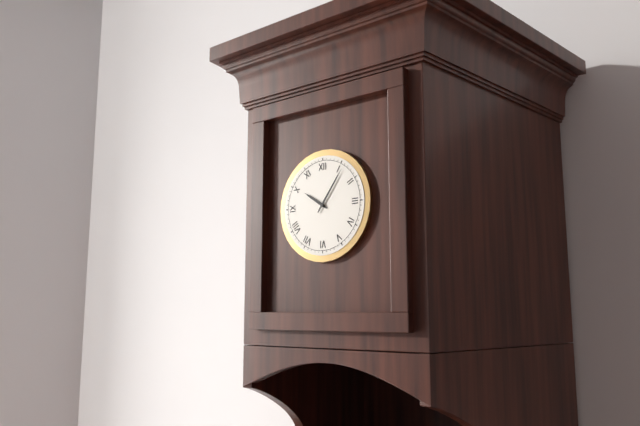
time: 10:06
